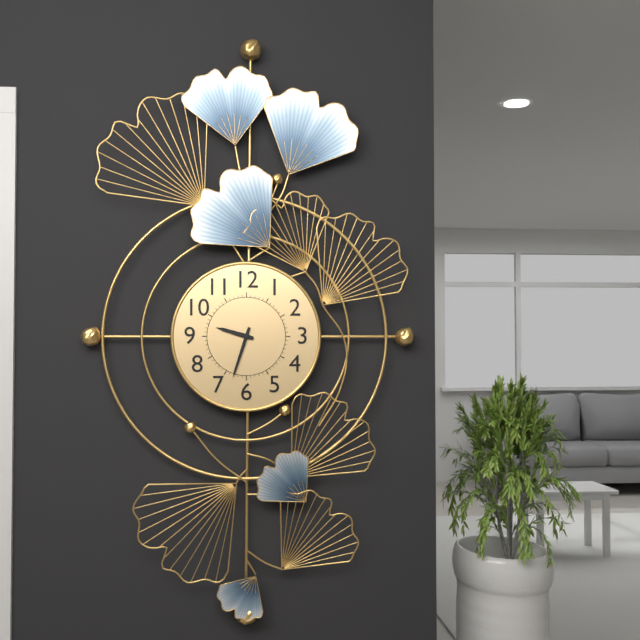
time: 9:33
